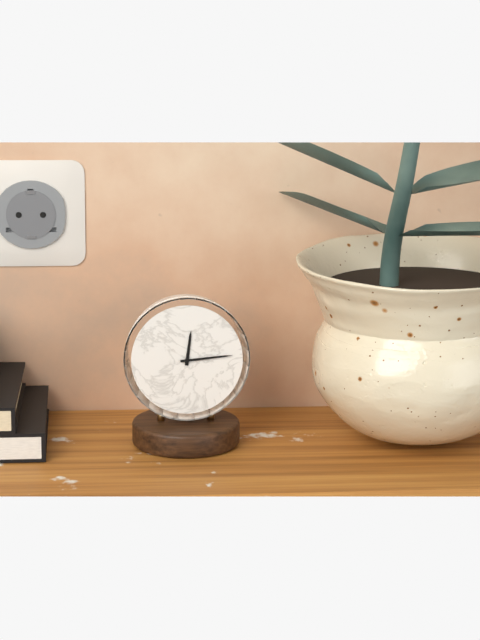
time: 12:14
